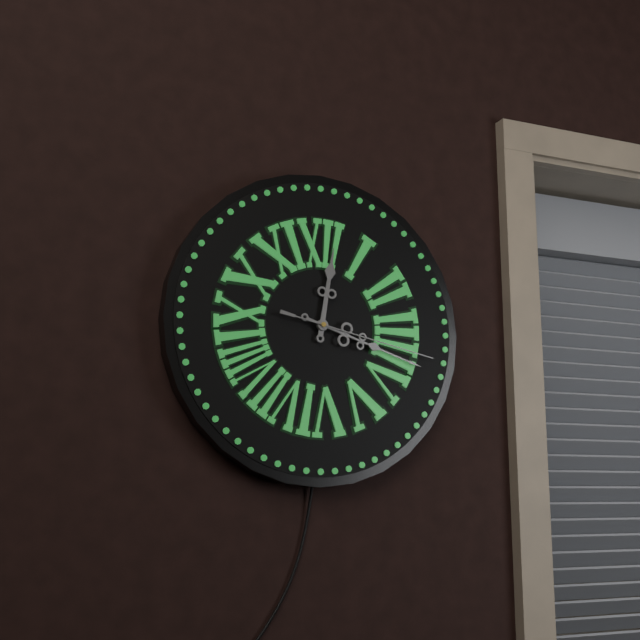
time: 12:18:17
